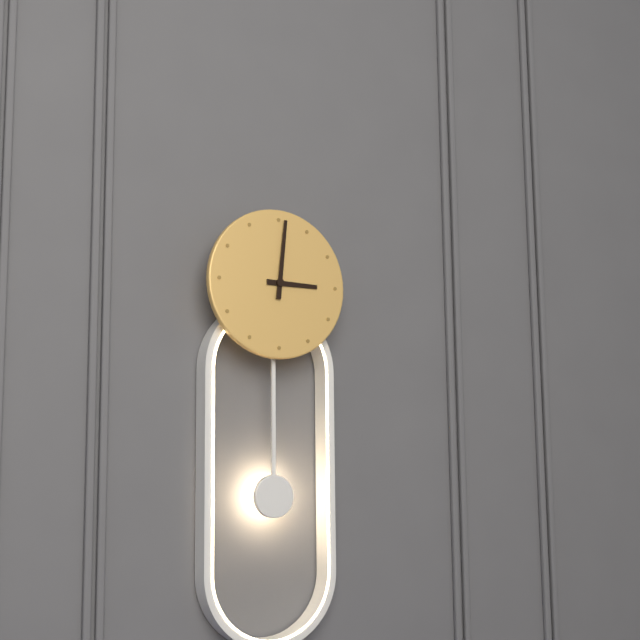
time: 3:01
